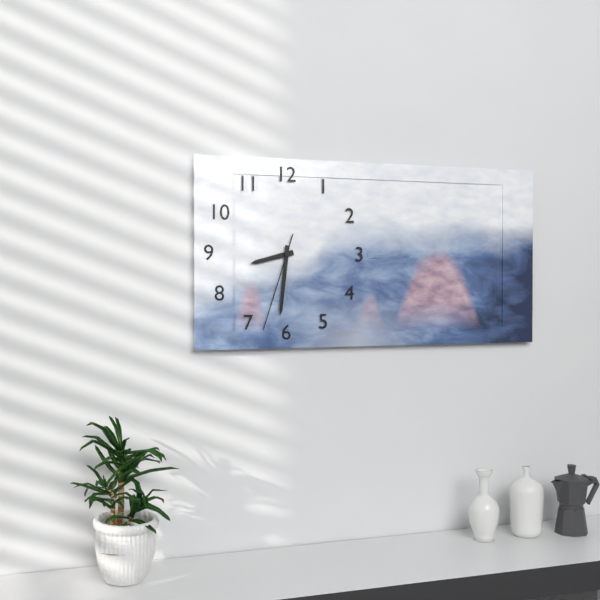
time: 8:31:33
